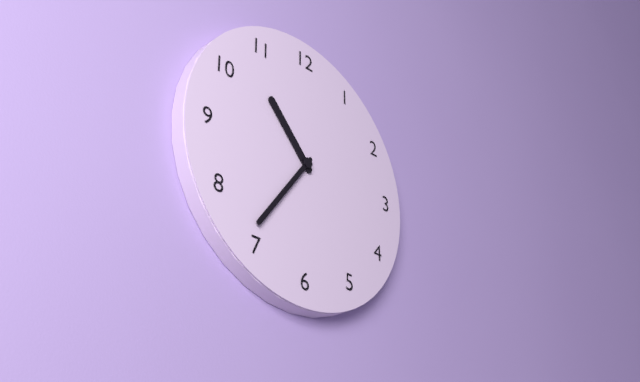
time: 10:36
